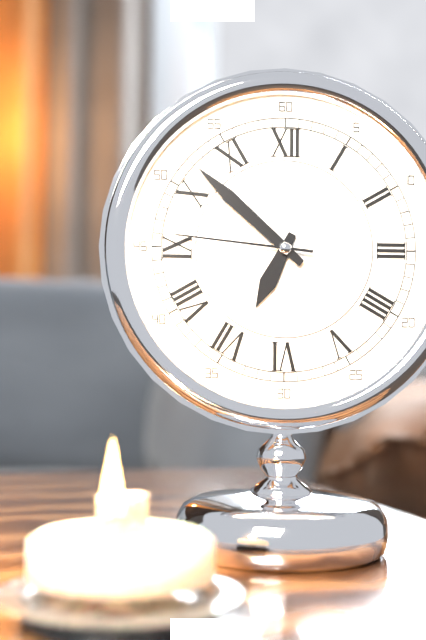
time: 6:52:46
